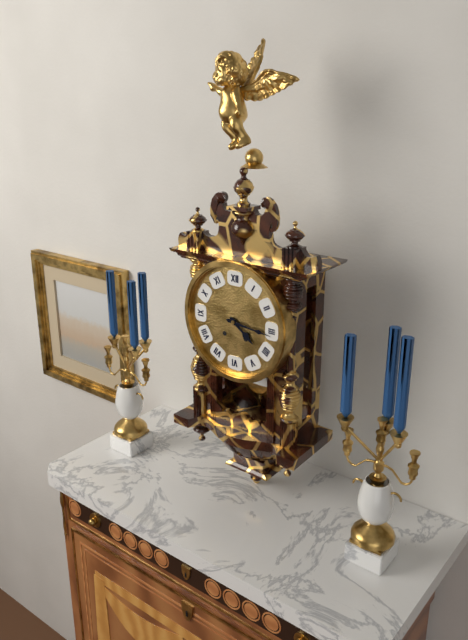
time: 4:16
